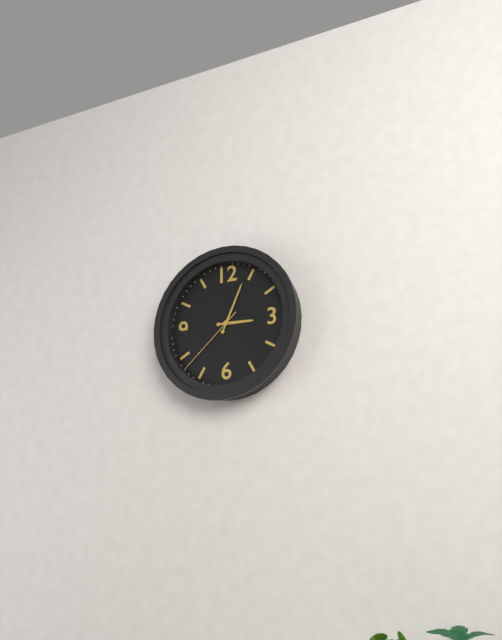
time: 3:04:38
